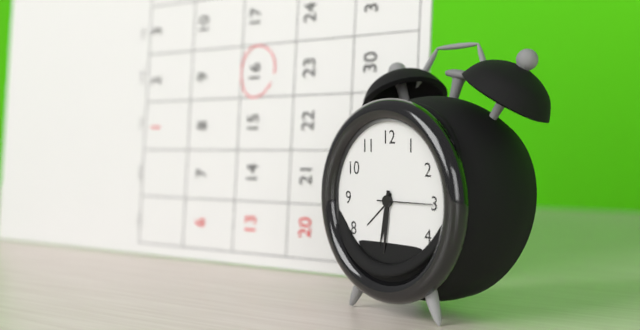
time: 6:31:15
